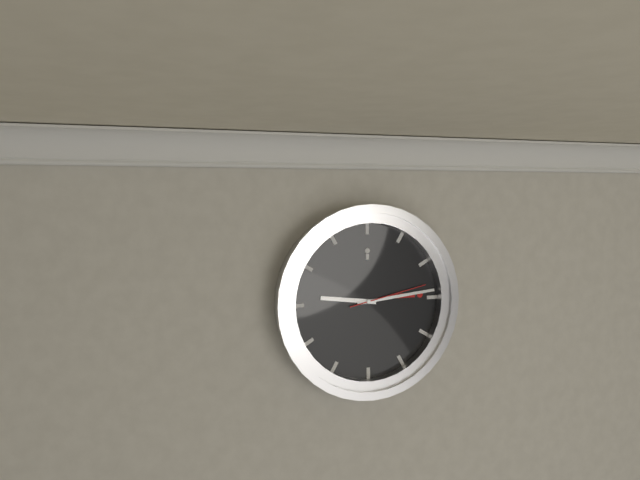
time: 9:14:13
